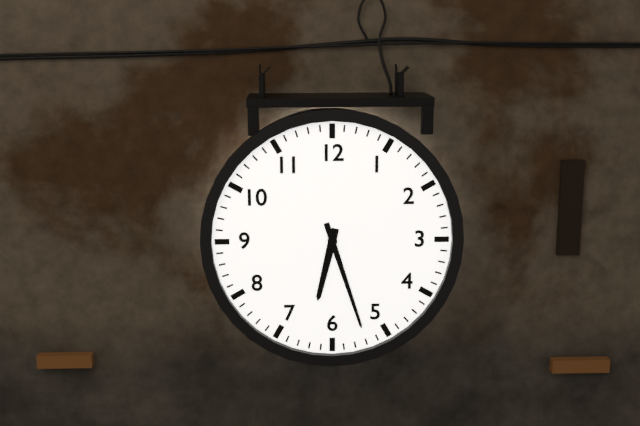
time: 6:27
